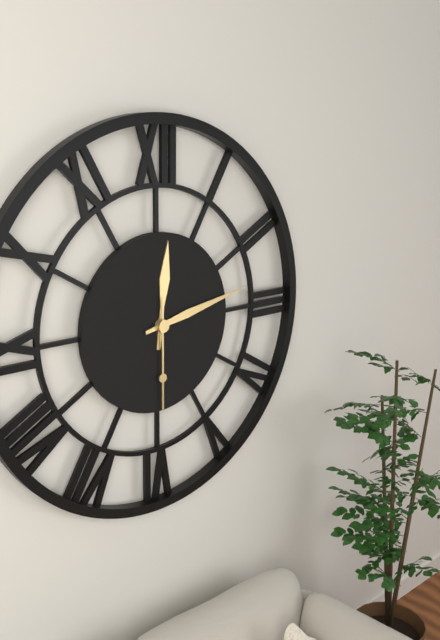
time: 12:13:30
